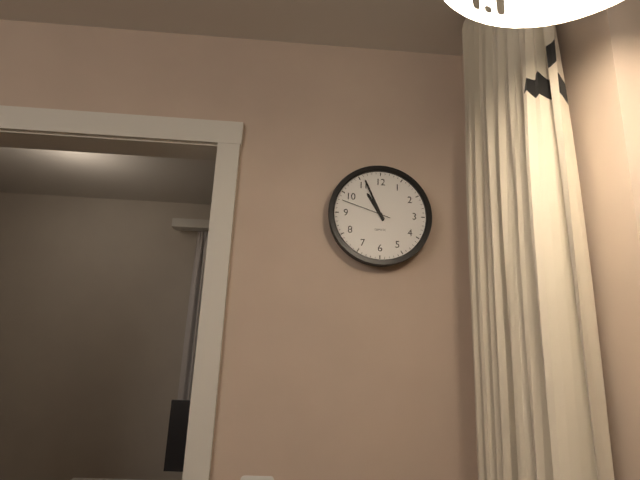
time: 10:56:48
